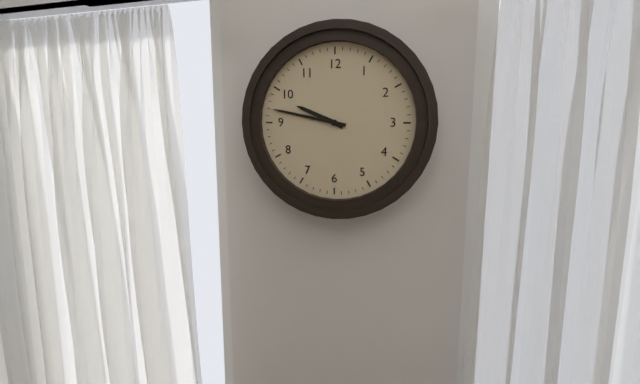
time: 9:47
